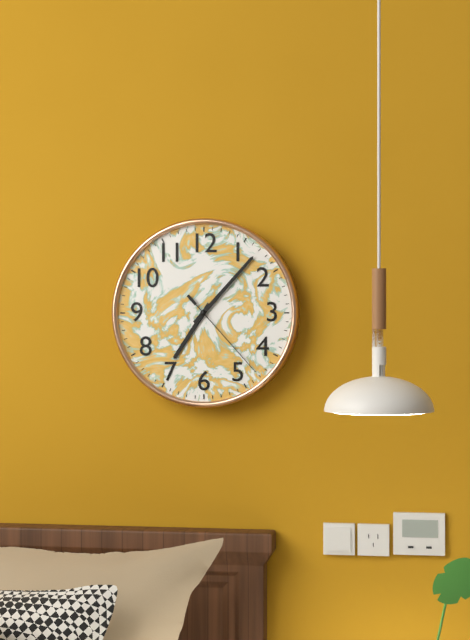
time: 7:07:23
